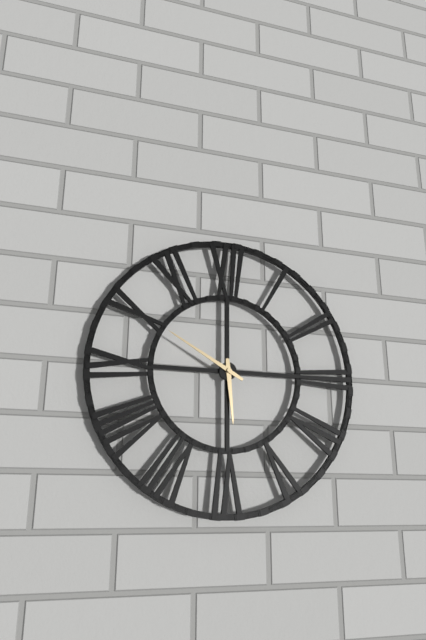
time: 5:50
